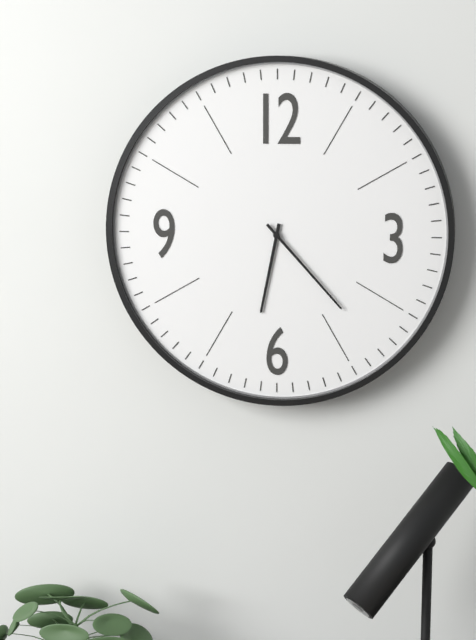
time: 6:23
